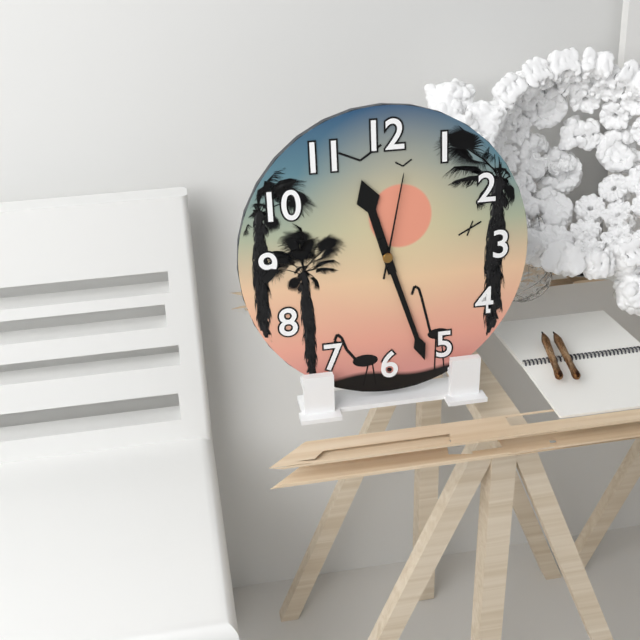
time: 11:27:02
